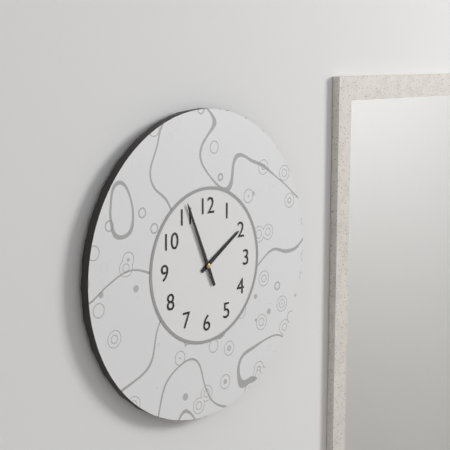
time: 1:56
